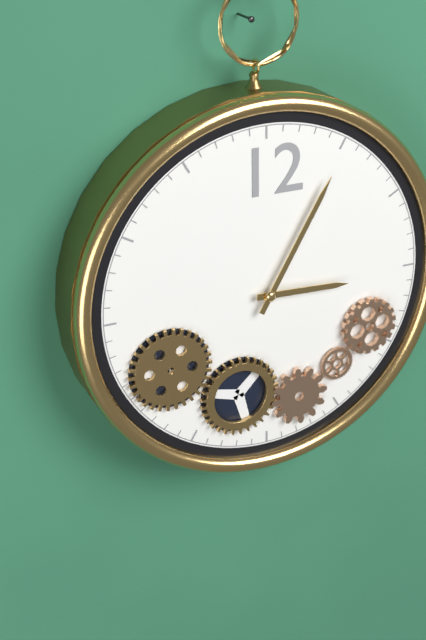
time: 3:05
